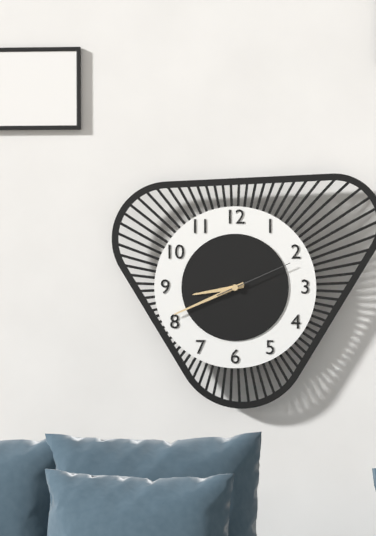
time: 8:41:11
